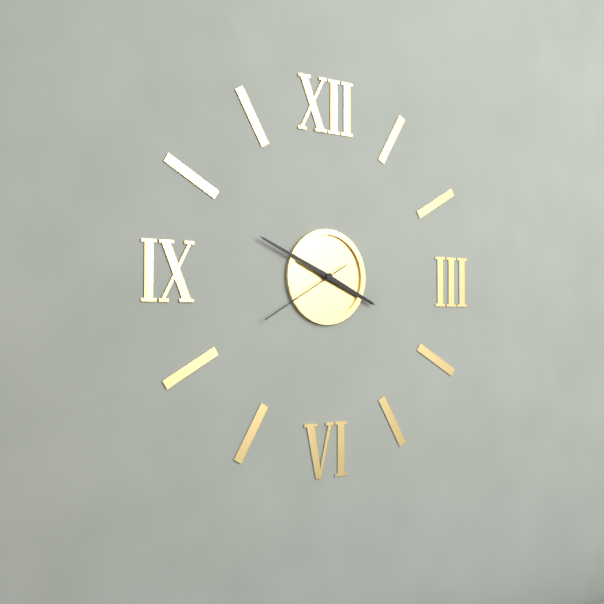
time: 3:49:40
